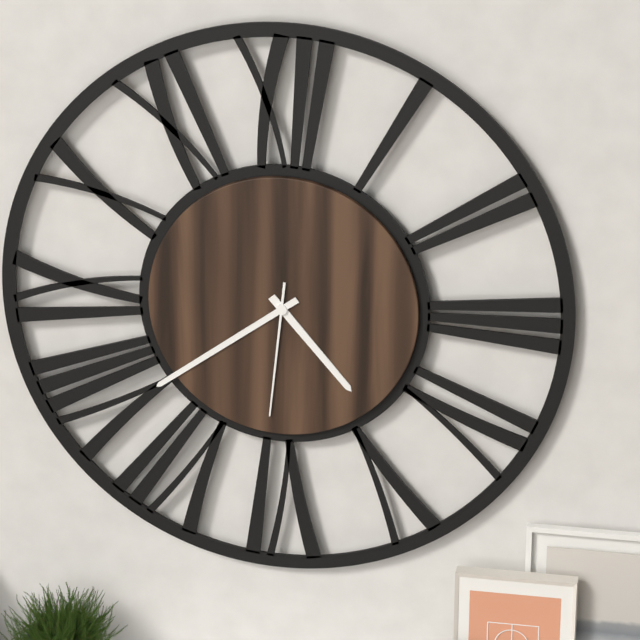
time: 4:39:31
